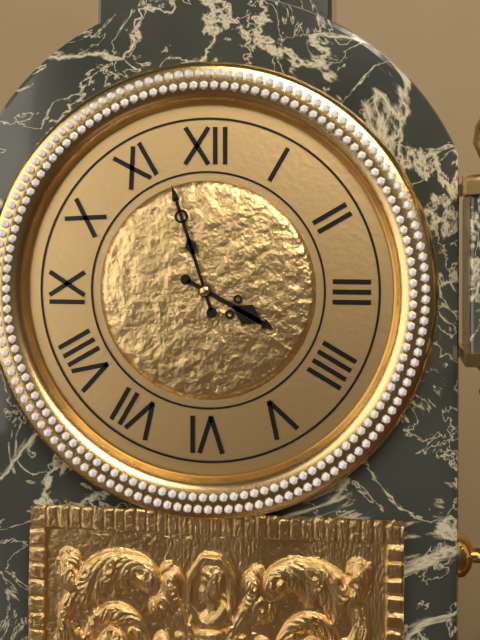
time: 3:57
